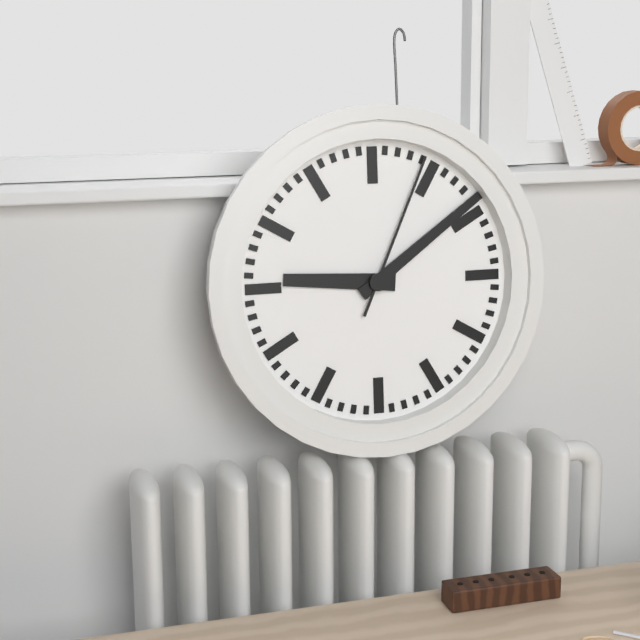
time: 9:09:04
